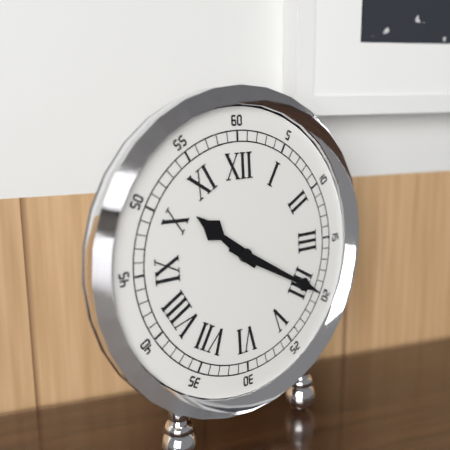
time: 10:20
